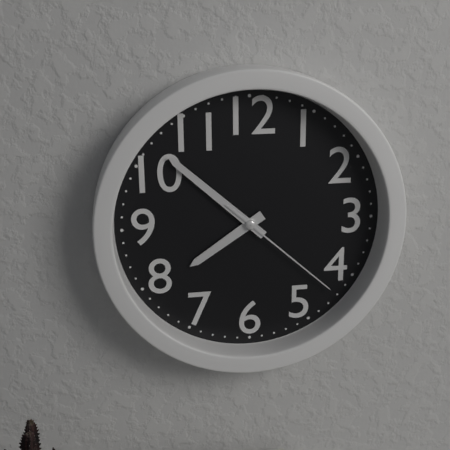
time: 7:52:22
